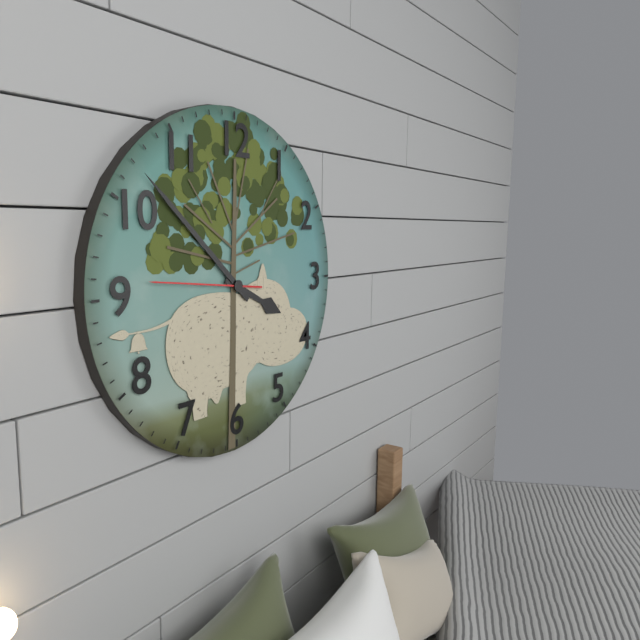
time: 3:52:46
